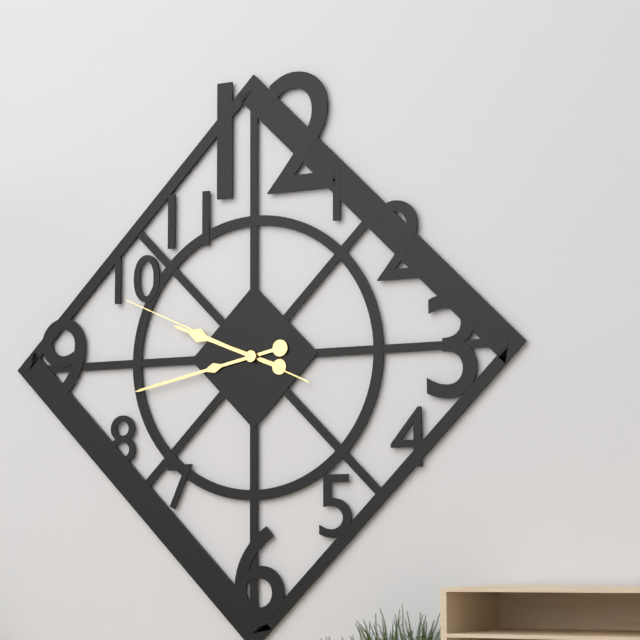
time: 9:43:49
